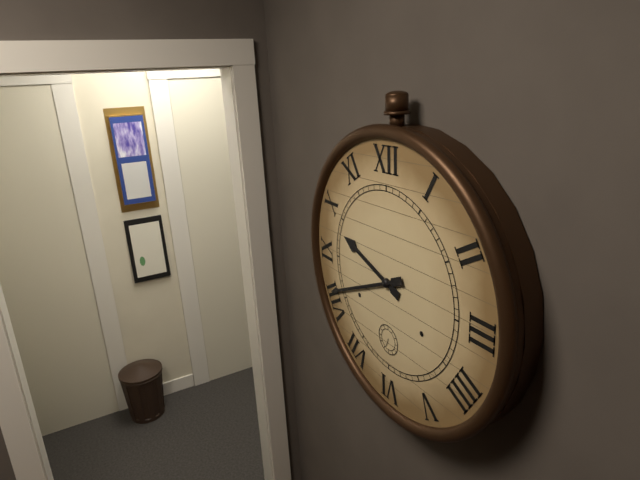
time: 9:41
